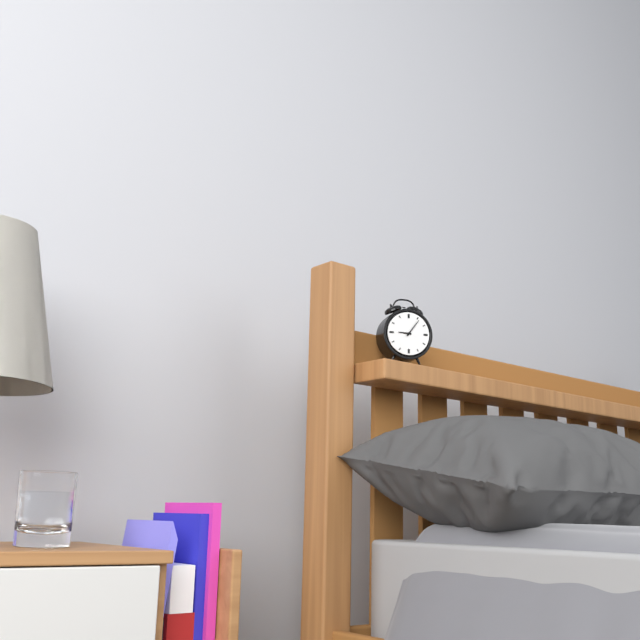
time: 9:06
